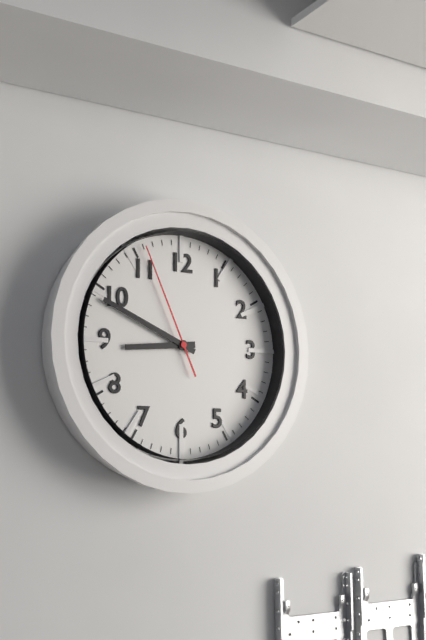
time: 8:49:56
